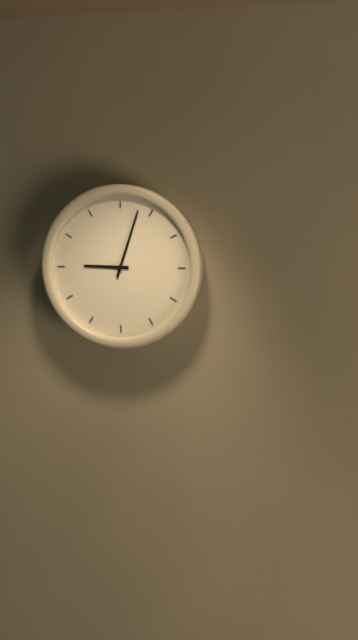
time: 9:03
